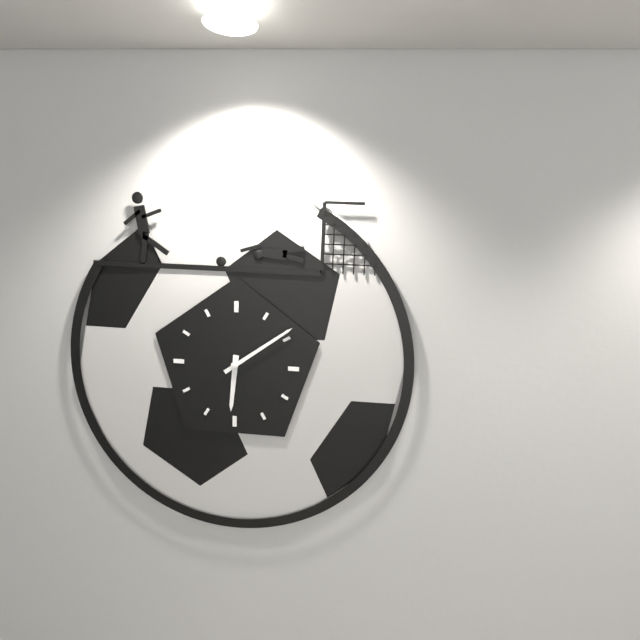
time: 6:09
